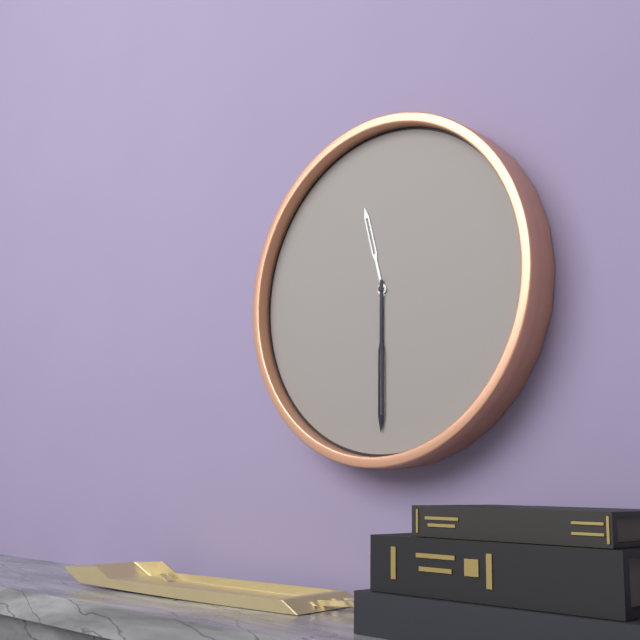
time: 11:30
